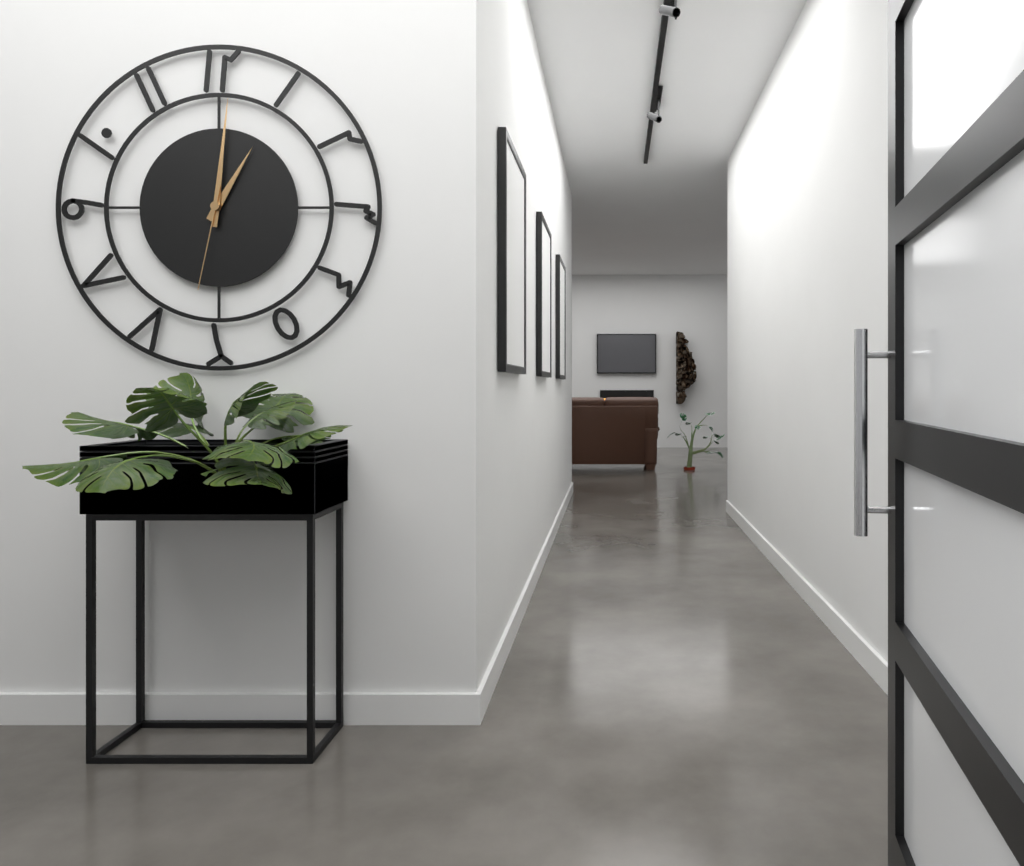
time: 1:01:32
